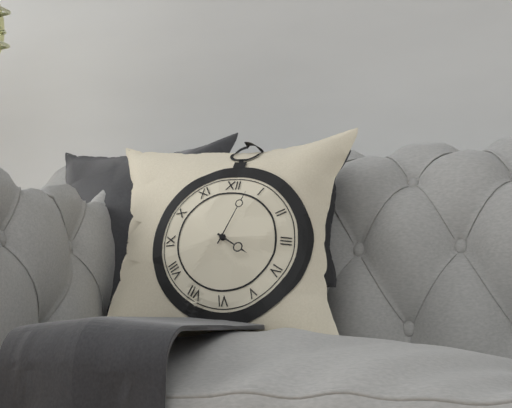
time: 4:04
